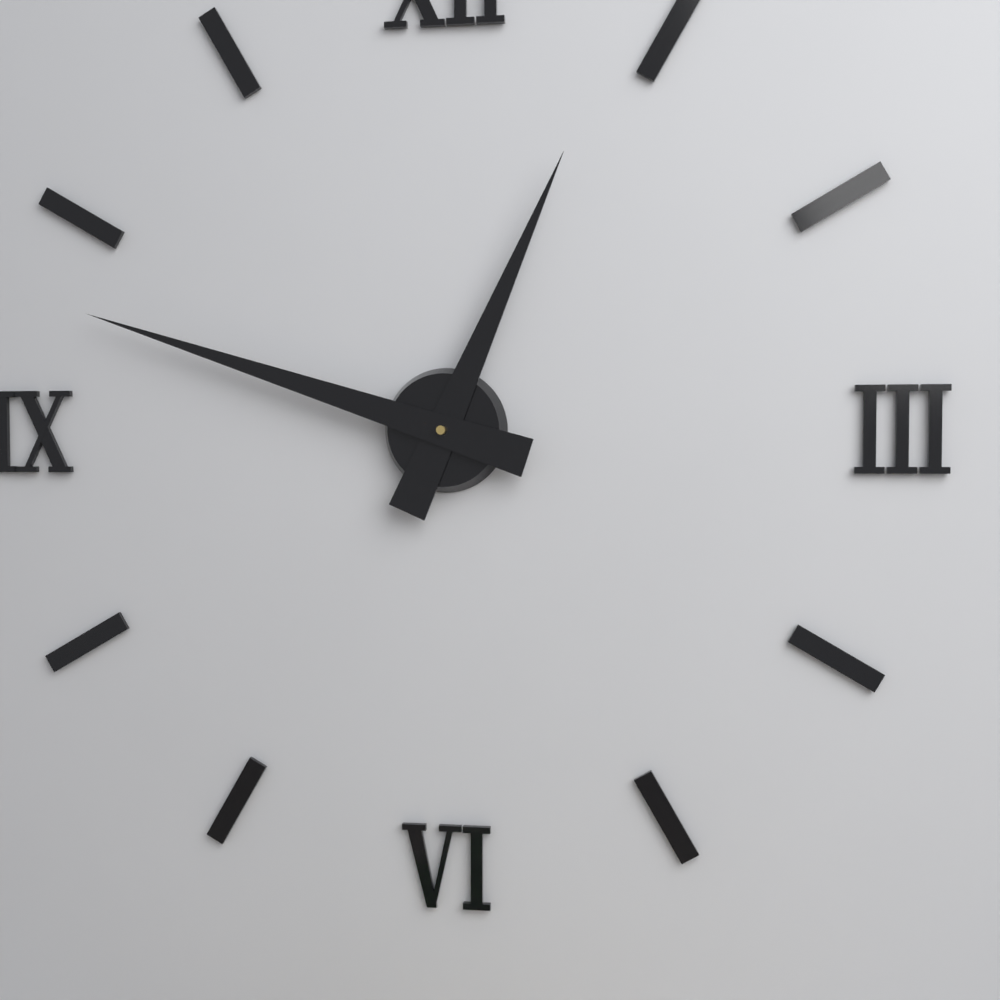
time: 12:48
